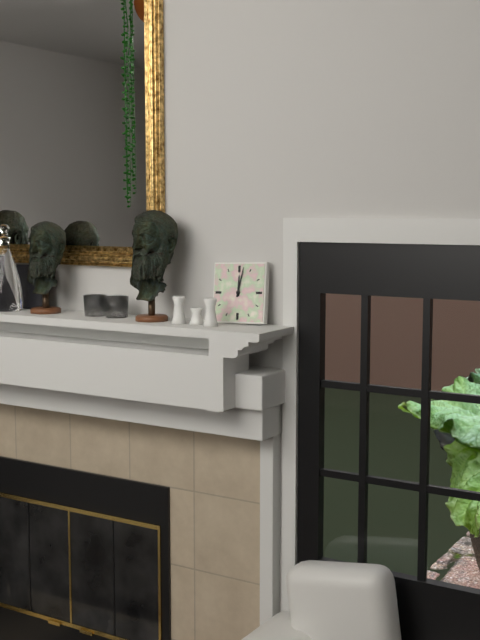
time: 12:02
